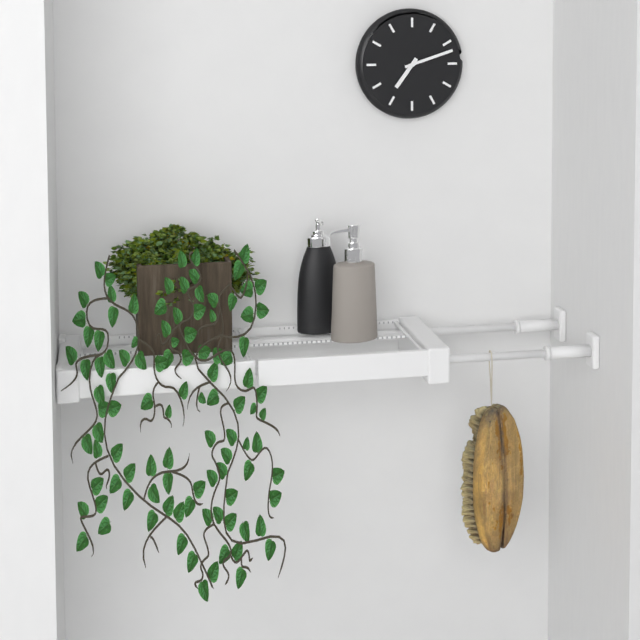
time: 7:12
